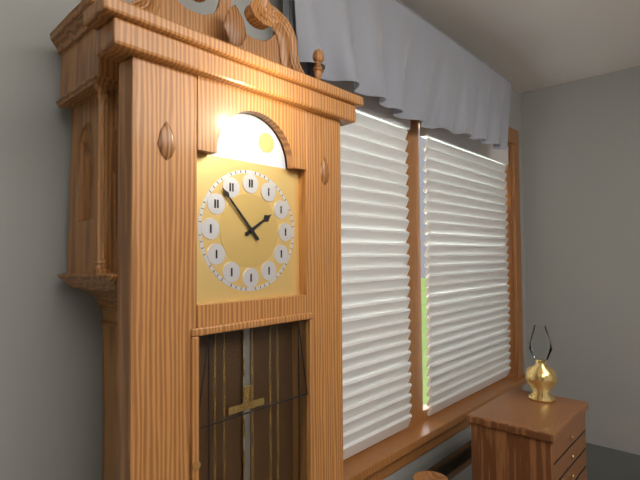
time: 1:53
